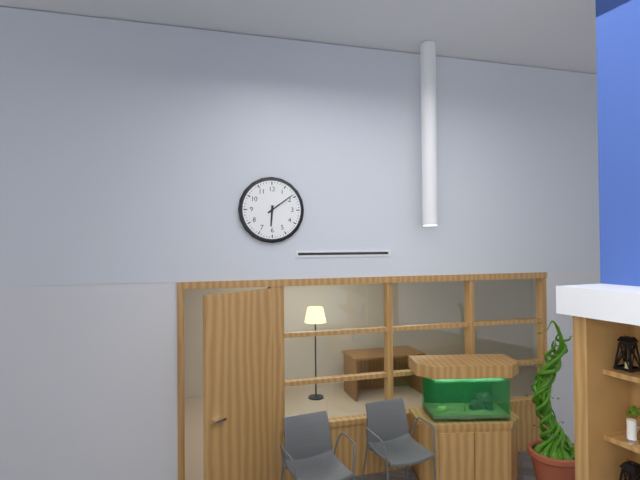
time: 6:09
